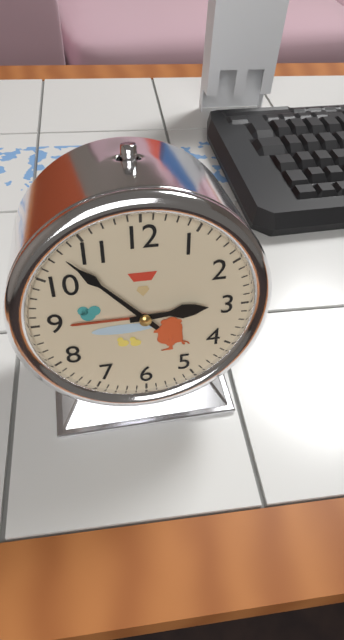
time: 2:53
